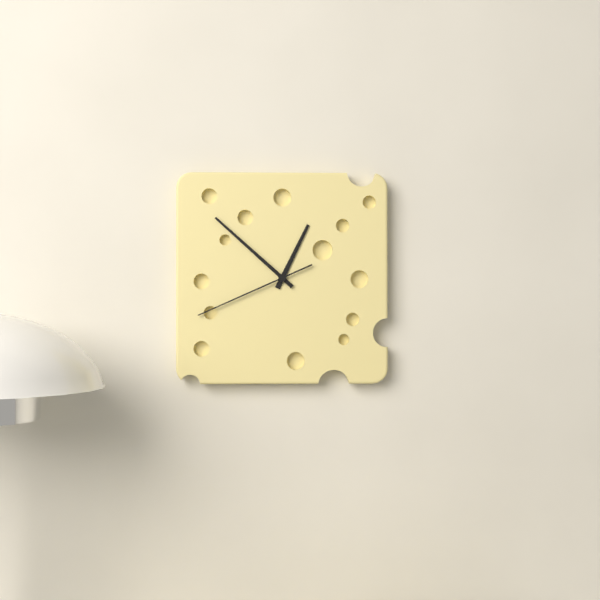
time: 12:52:41
